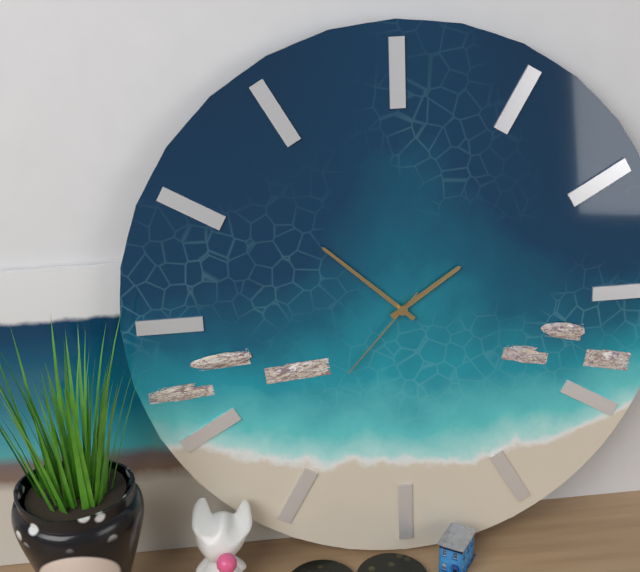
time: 1:52:37
